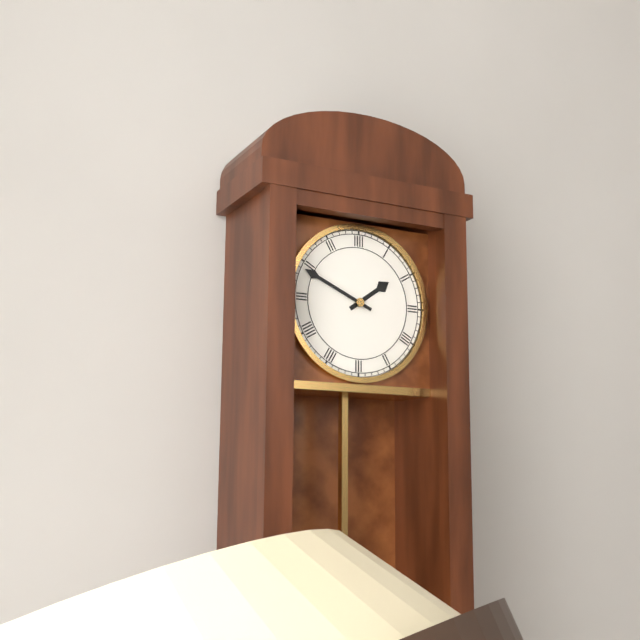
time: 1:49
